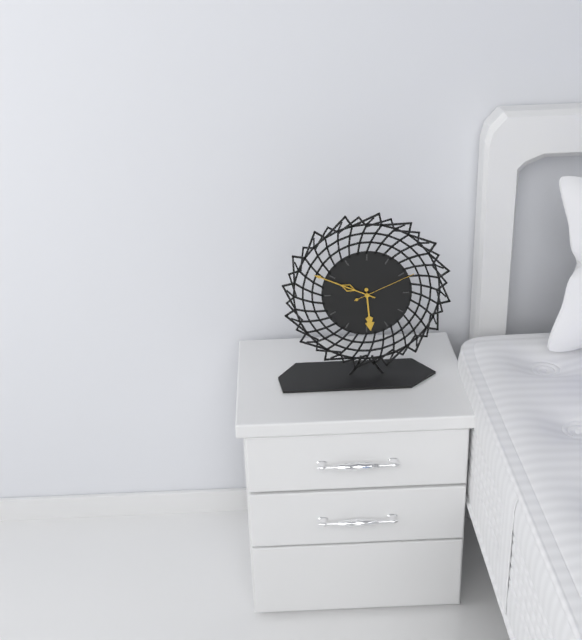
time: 5:49:11
